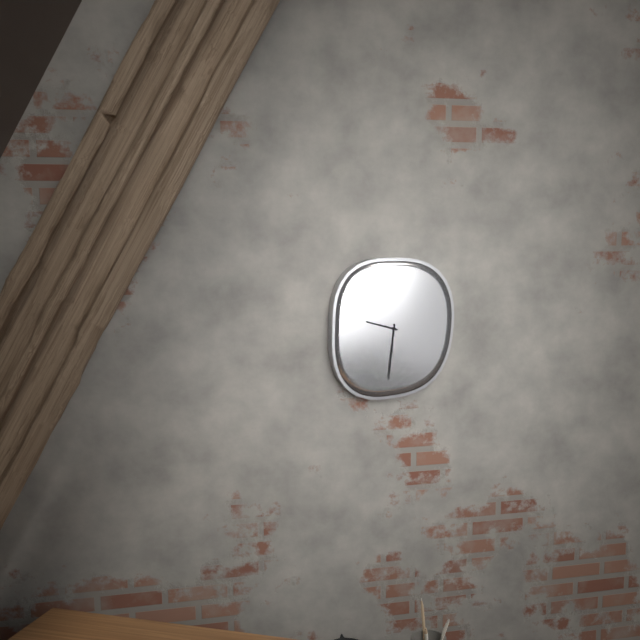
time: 9:31
